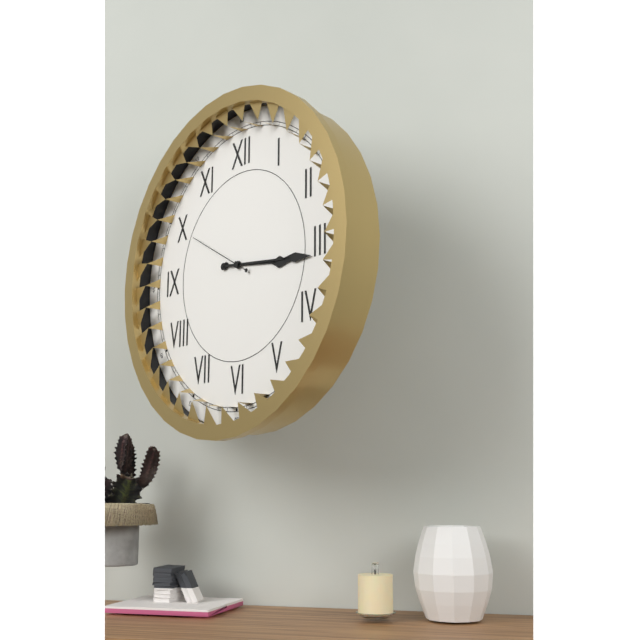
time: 3:16:50
